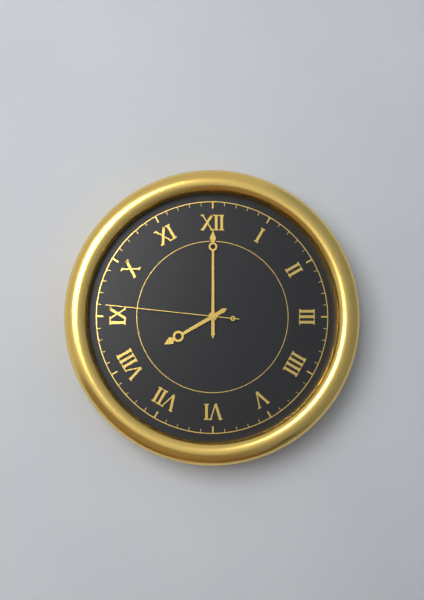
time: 8:00:46
